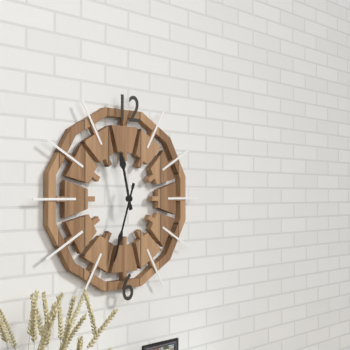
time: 11:33
